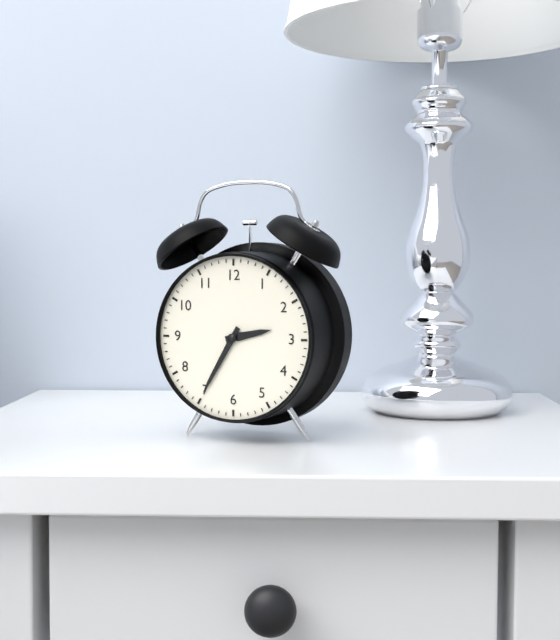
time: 2:35
